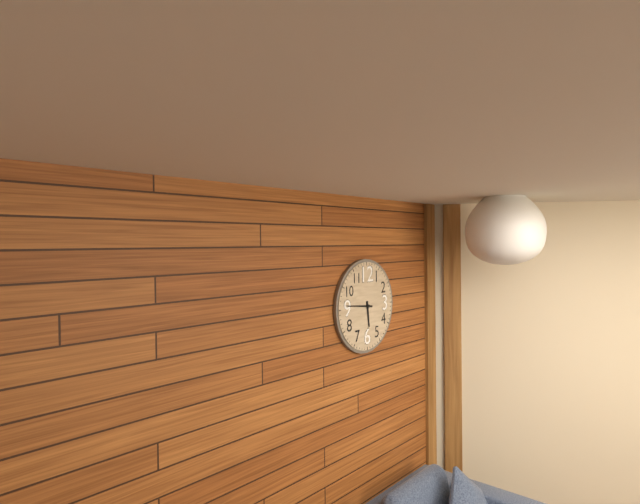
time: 5:46
